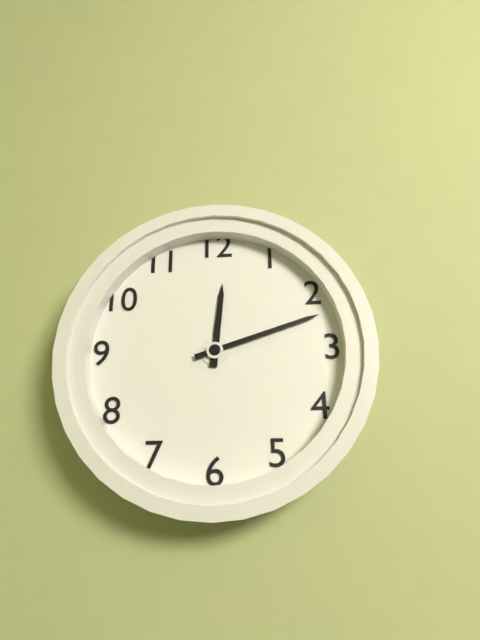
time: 12:12
